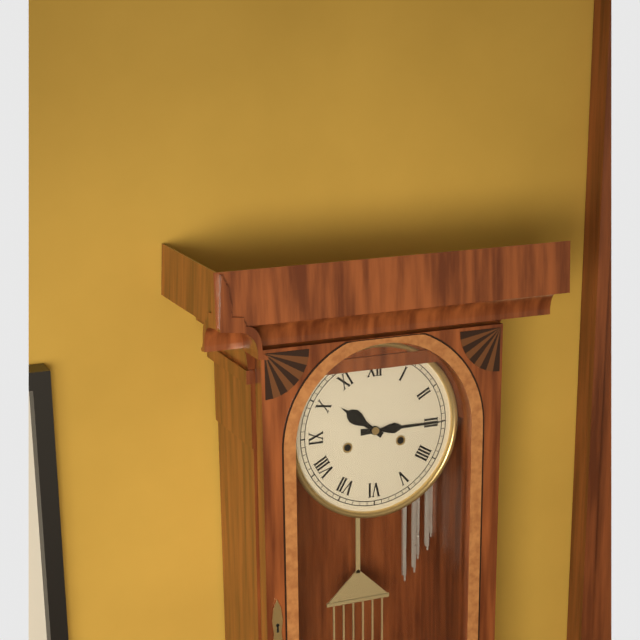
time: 10:15
